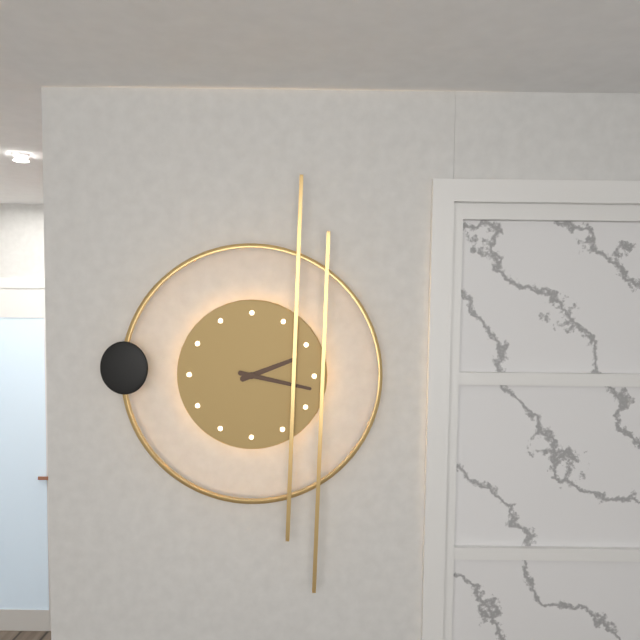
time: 2:17
